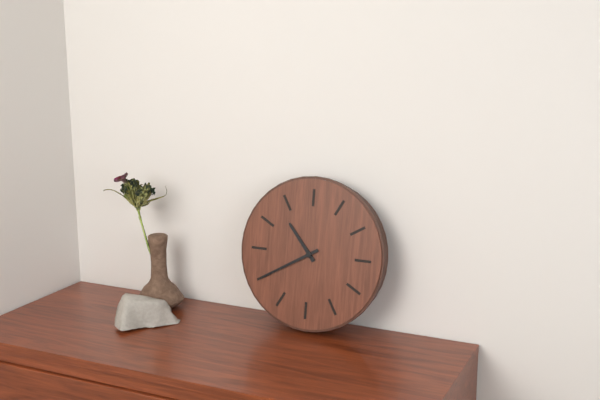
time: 10:40
